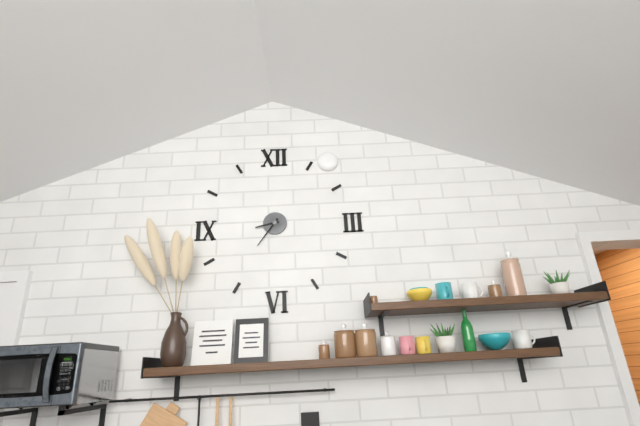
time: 8:36
